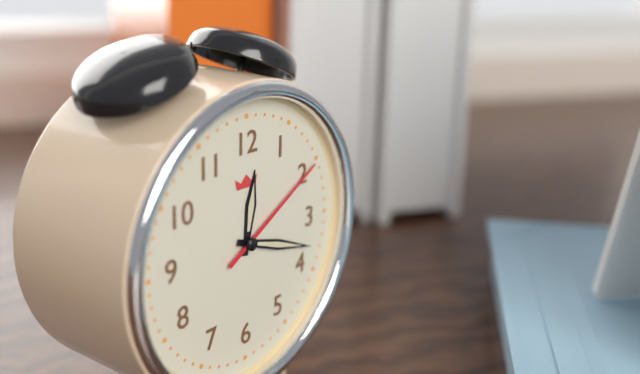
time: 12:18:10
